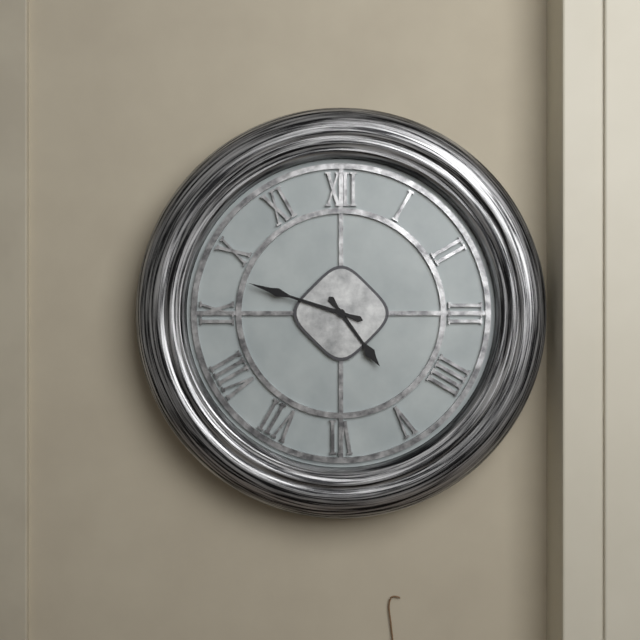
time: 4:48
